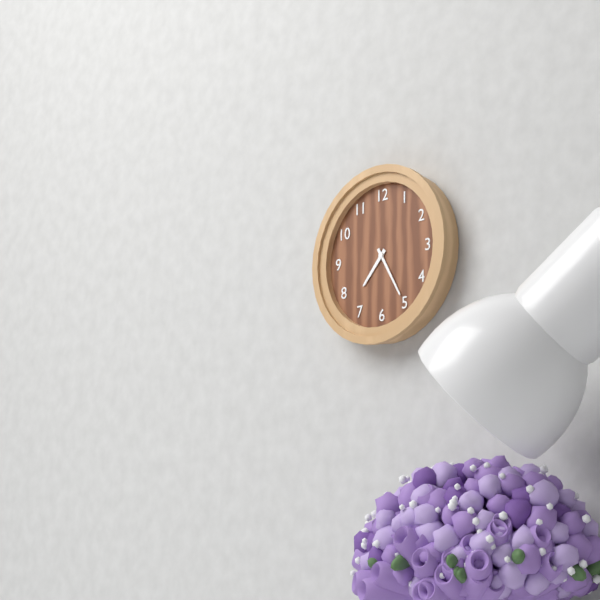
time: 7:25
